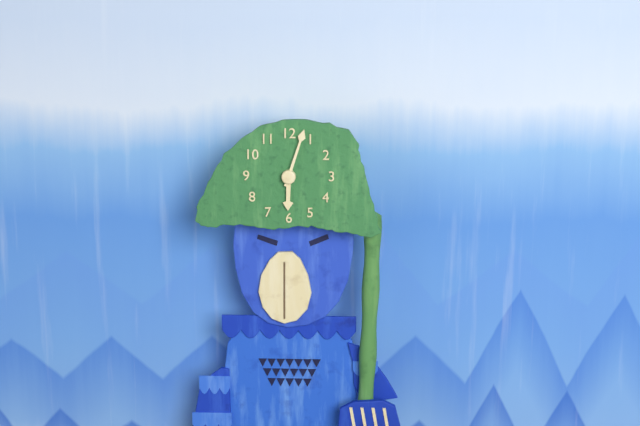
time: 6:03
